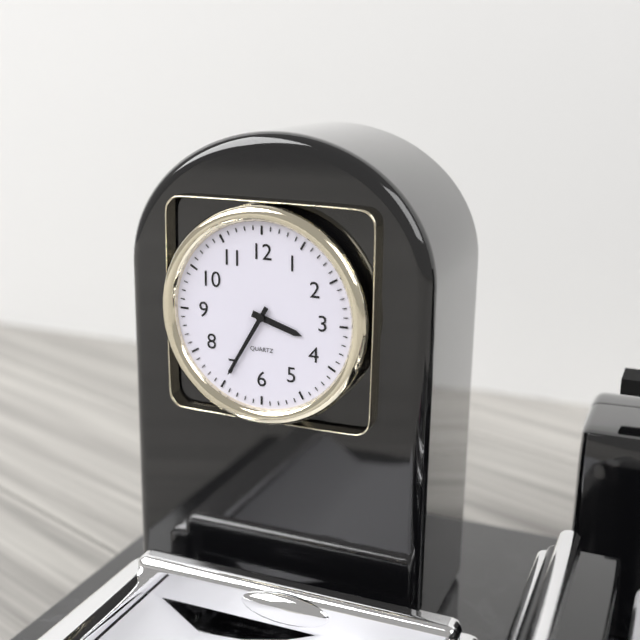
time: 3:35
